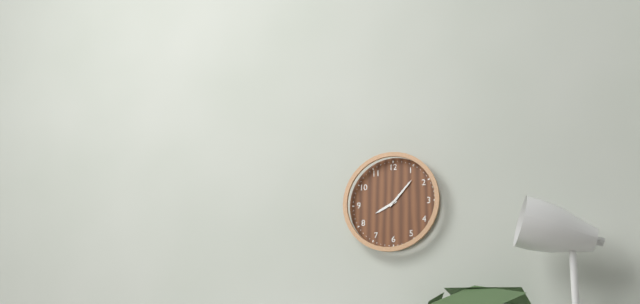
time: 8:07
